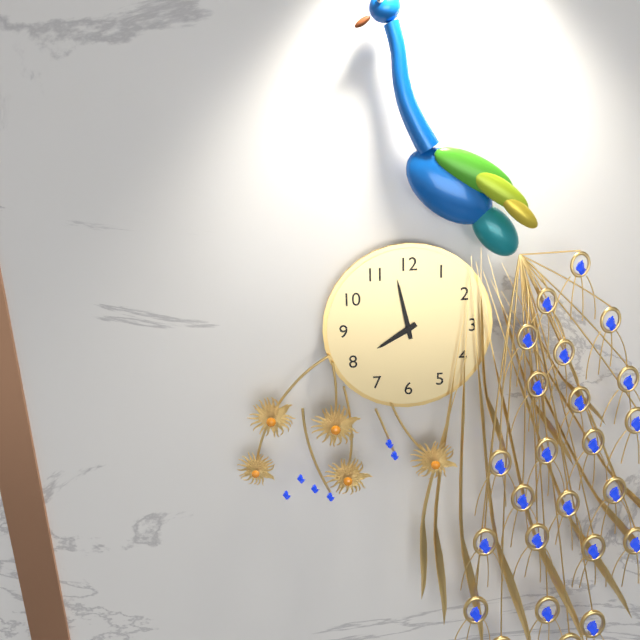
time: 7:58
